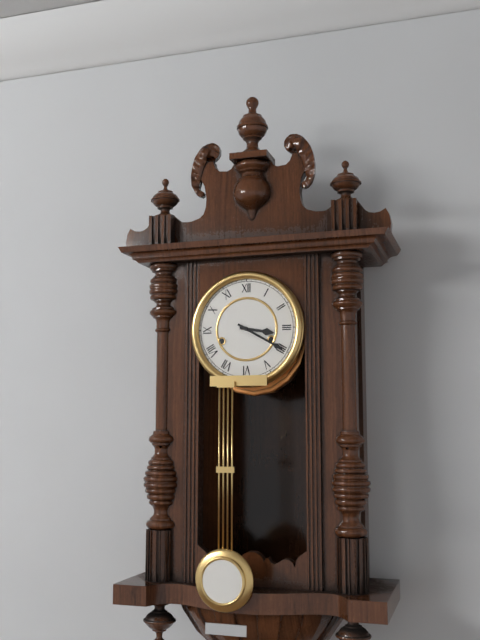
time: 3:20
